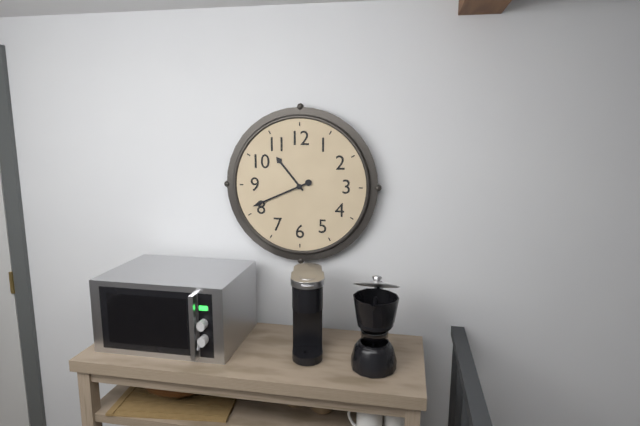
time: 10:41
